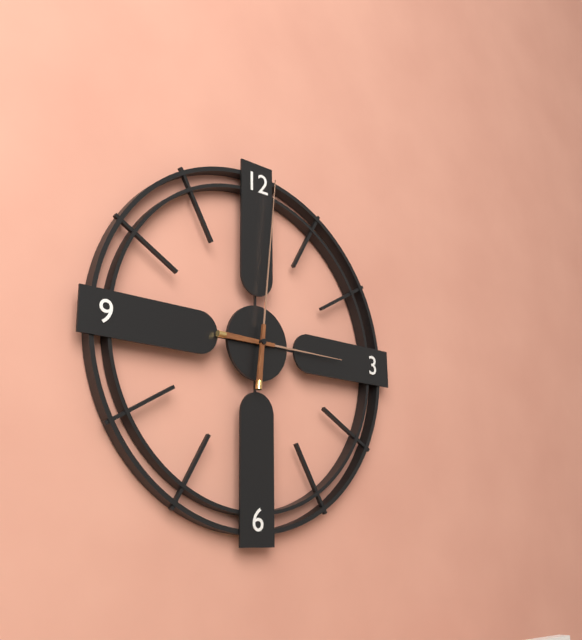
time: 3:01
